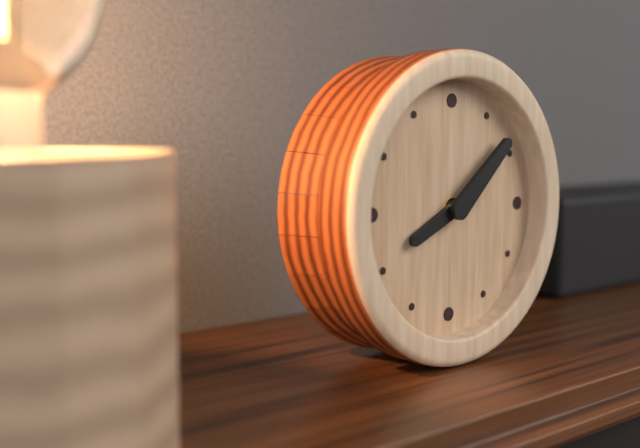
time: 8:08
